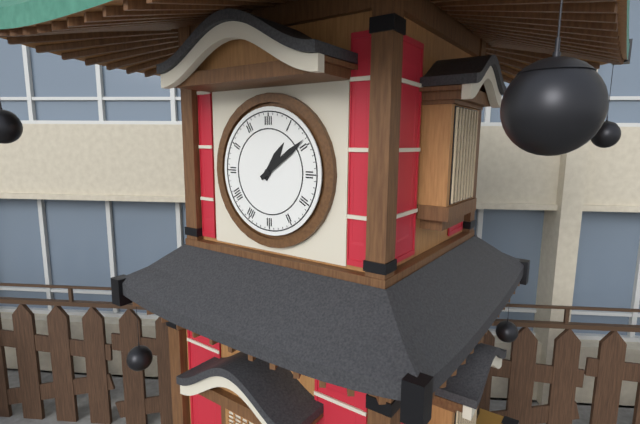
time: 1:09
